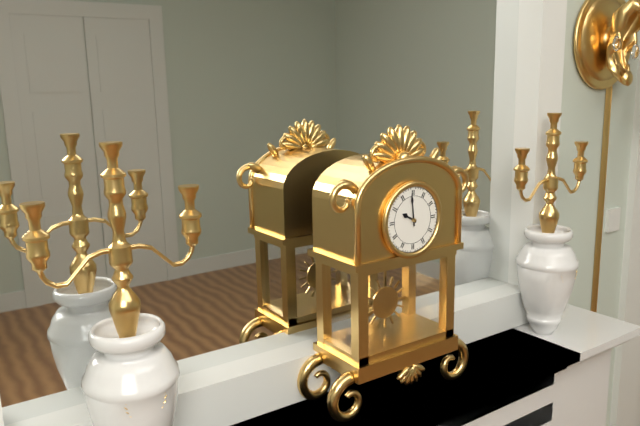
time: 9:59
